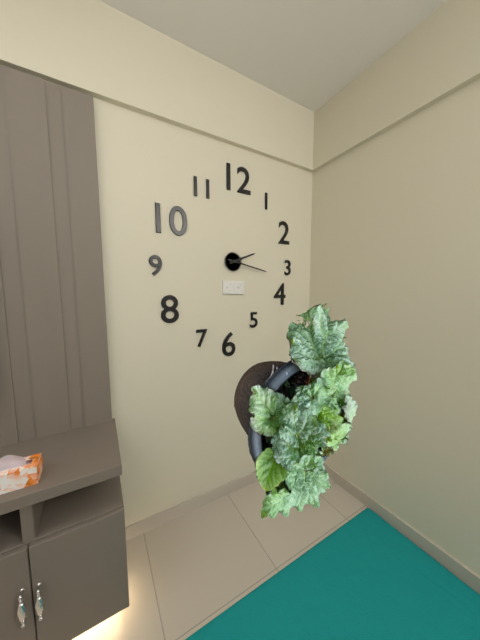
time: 2:17
